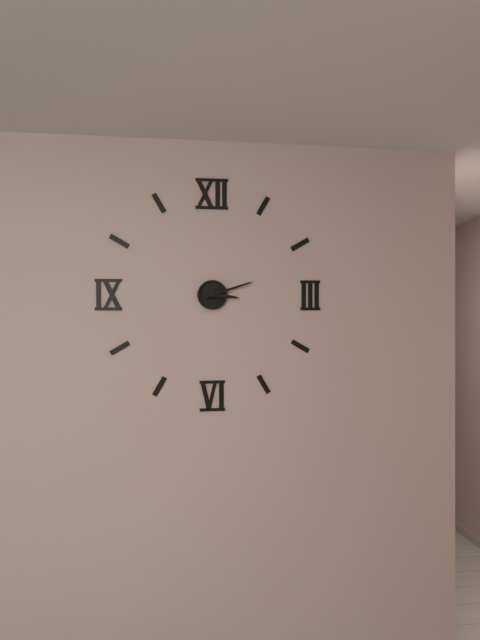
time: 3:12
